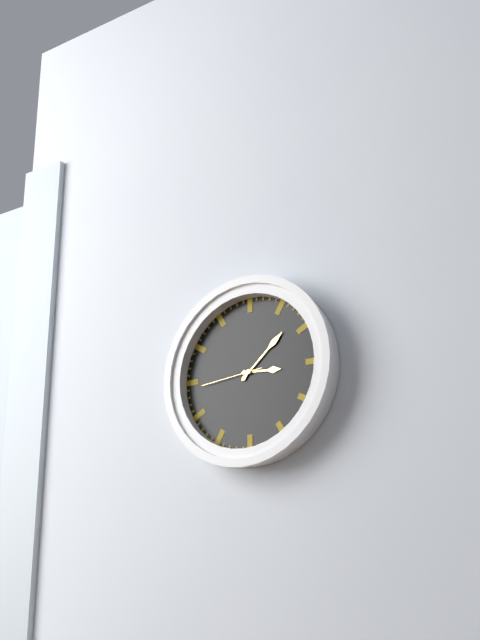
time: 3:08:44
